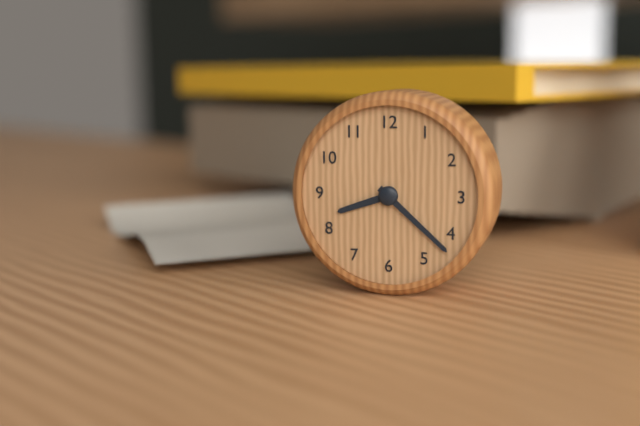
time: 8:22
